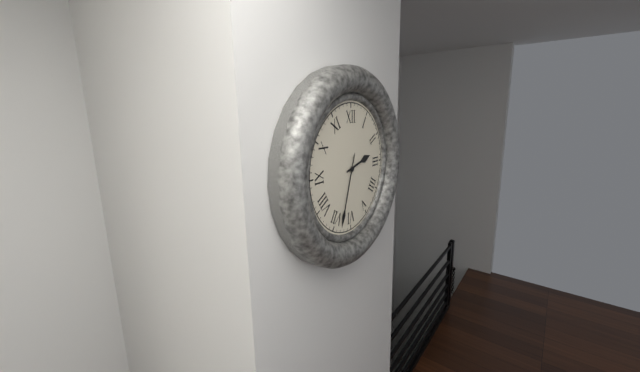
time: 2:33
